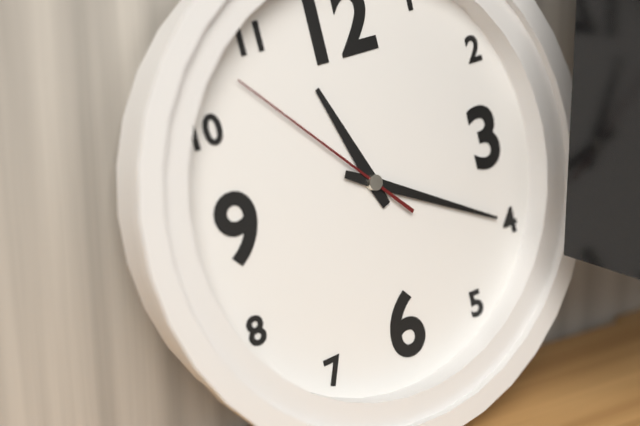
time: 11:20:53
